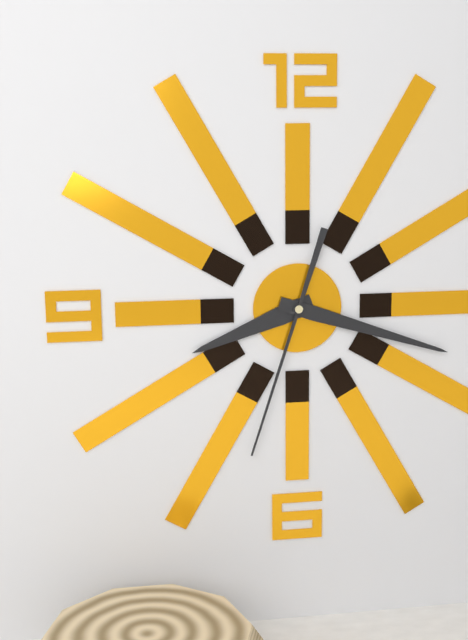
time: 8:18:33
